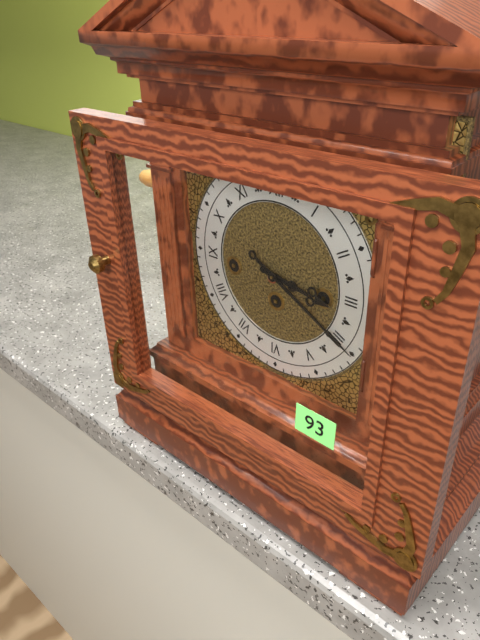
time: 3:20
